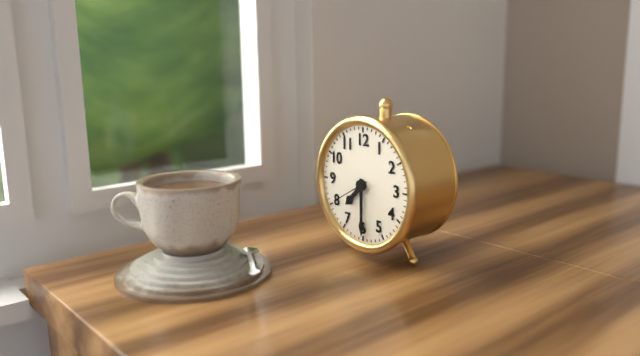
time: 7:30
